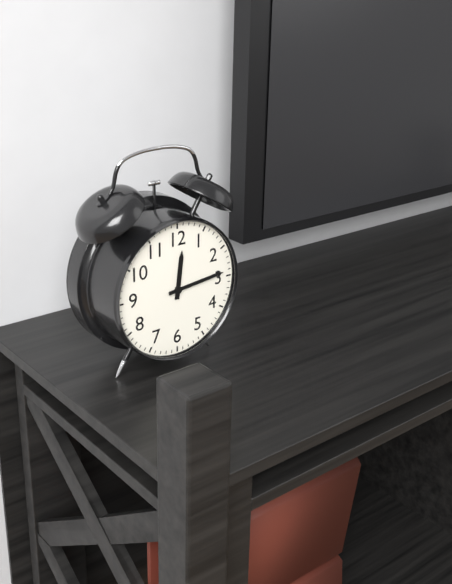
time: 12:14
